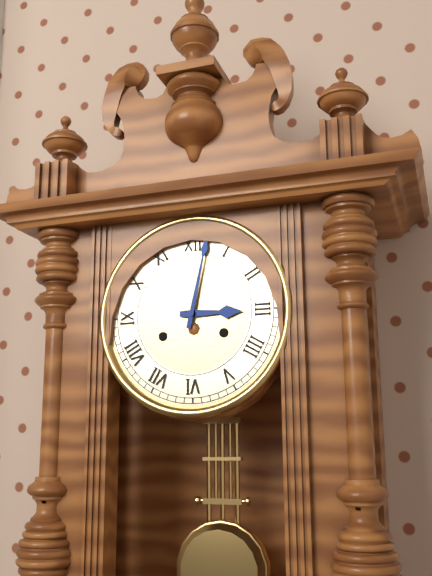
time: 3:02
